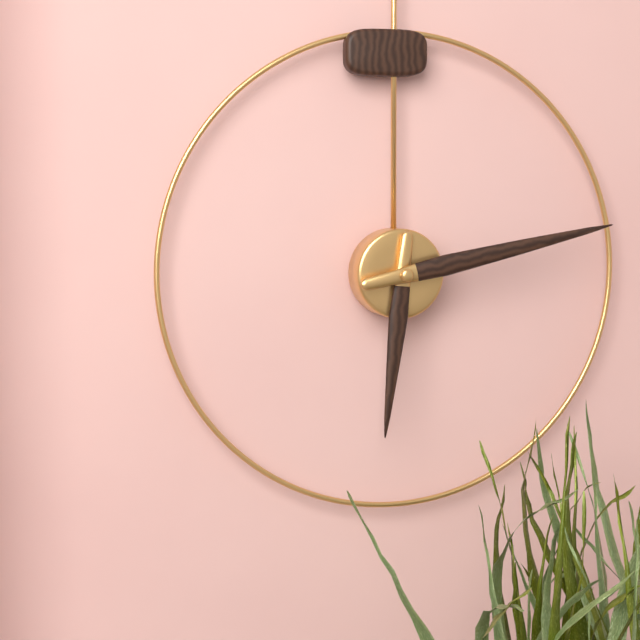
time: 6:13
